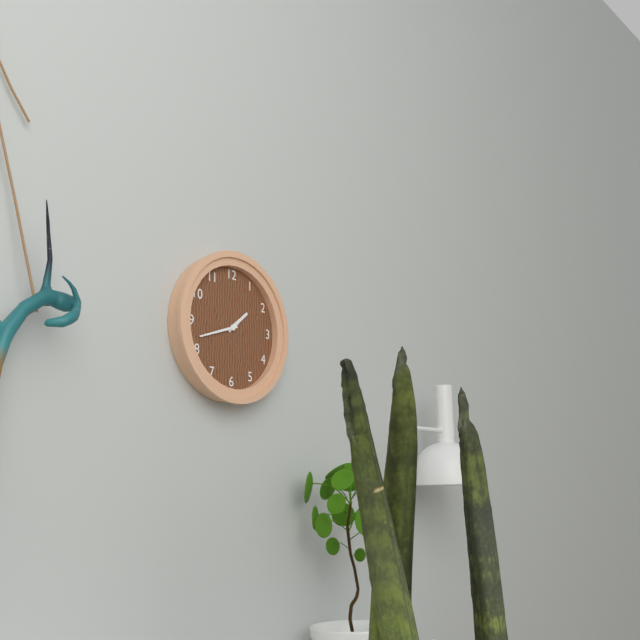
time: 1:42
